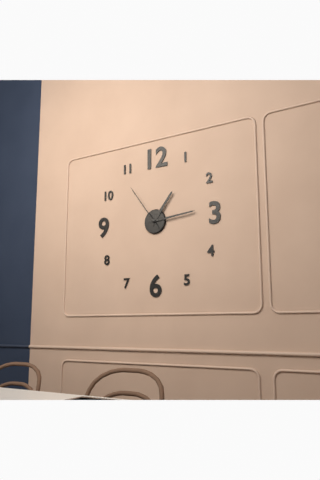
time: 1:14:54
